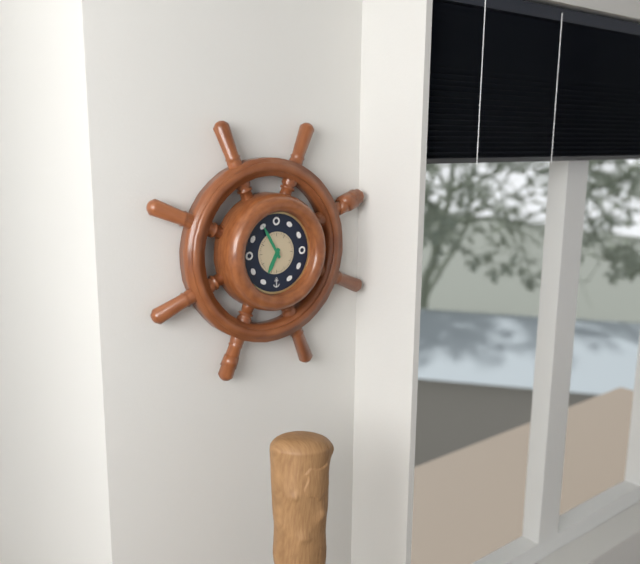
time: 6:55
